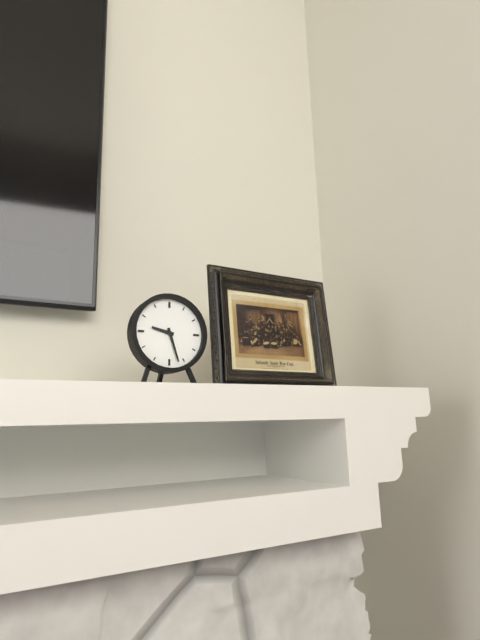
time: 9:27
